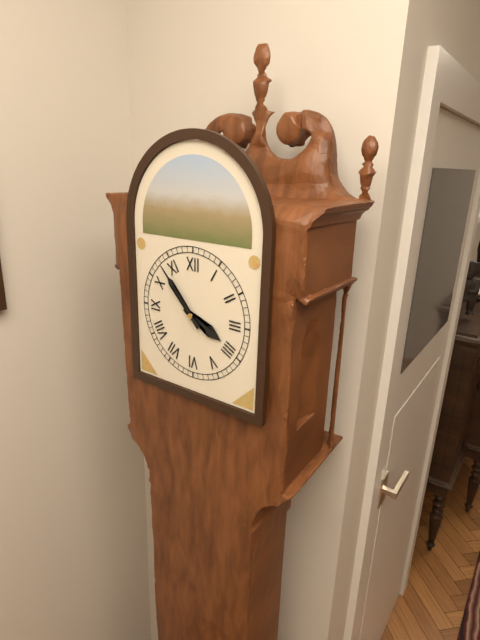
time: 3:53
